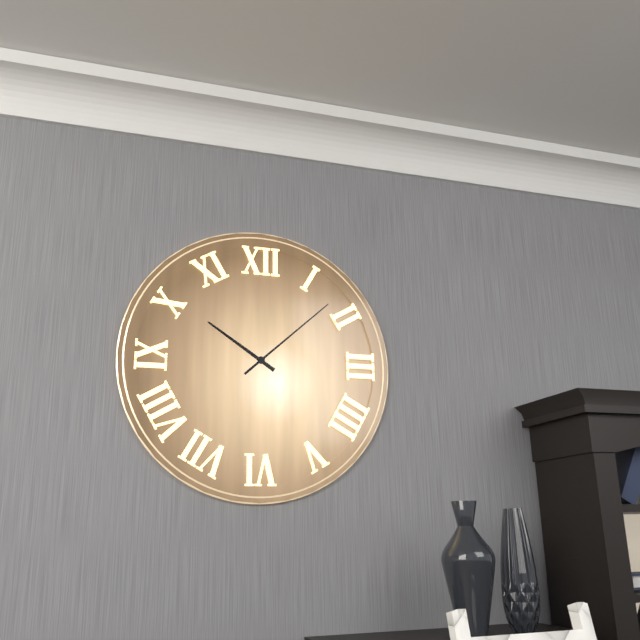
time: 10:08
